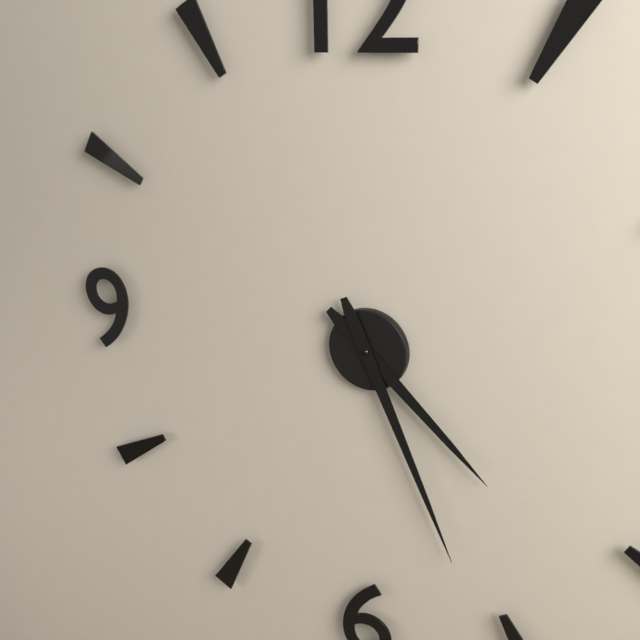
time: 4:26
